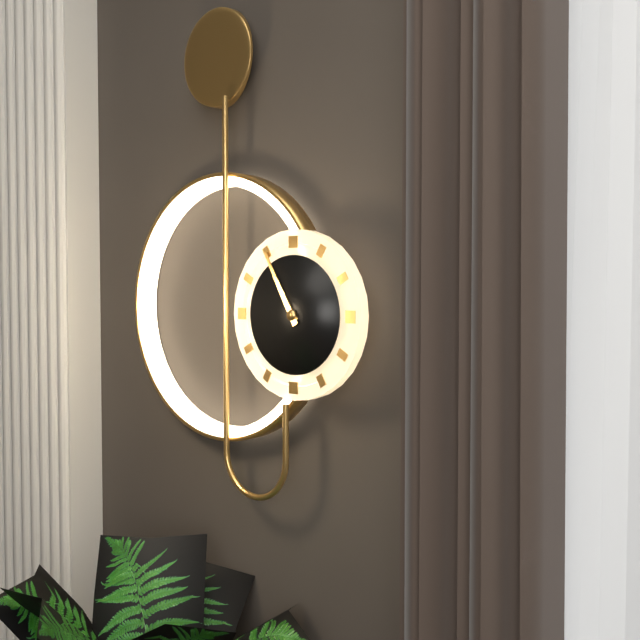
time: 10:55
